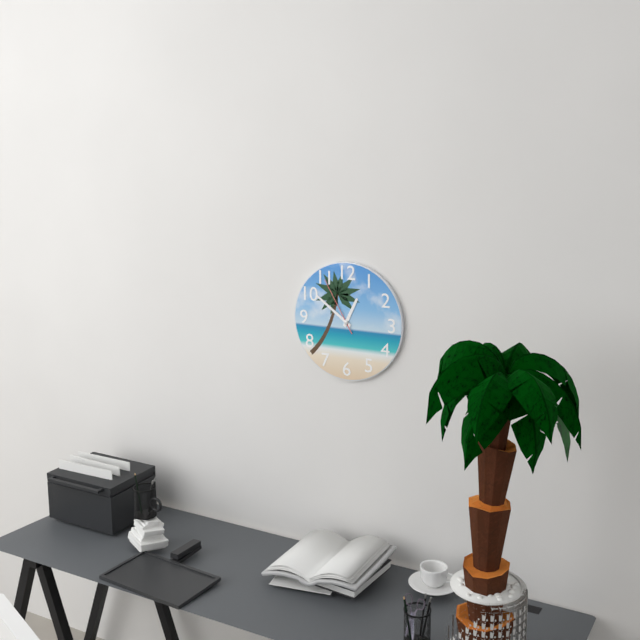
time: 12:51:55
